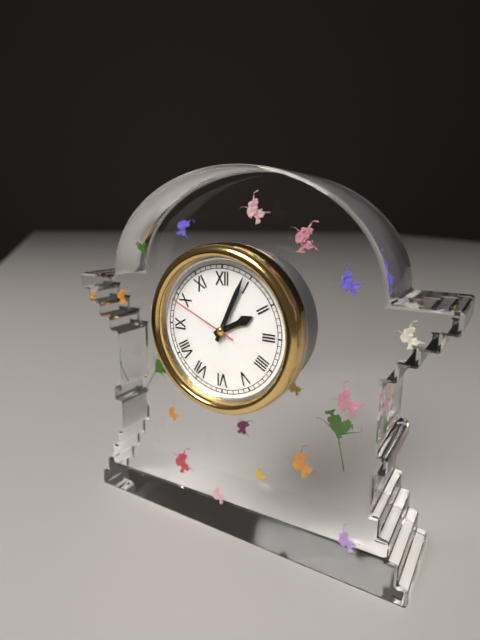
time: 2:04:49
